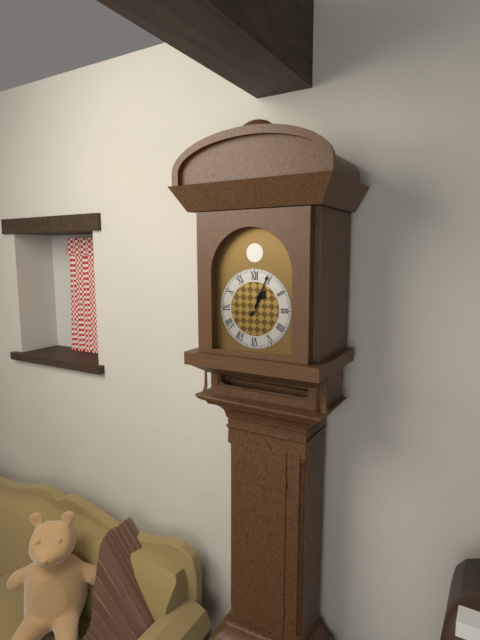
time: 1:04
